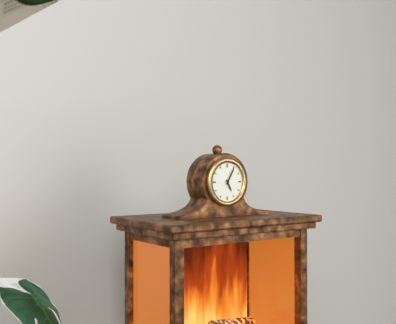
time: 5:05
